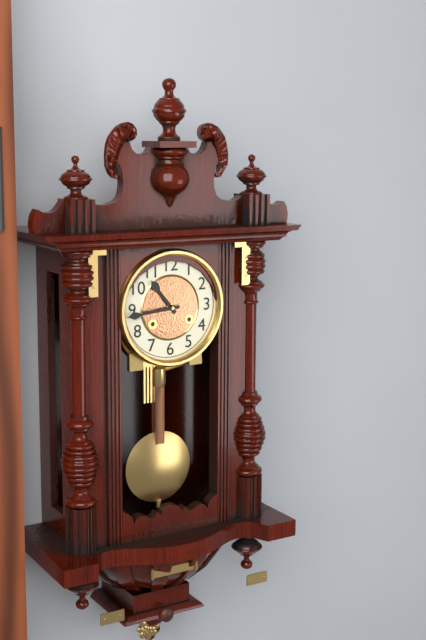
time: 10:44
